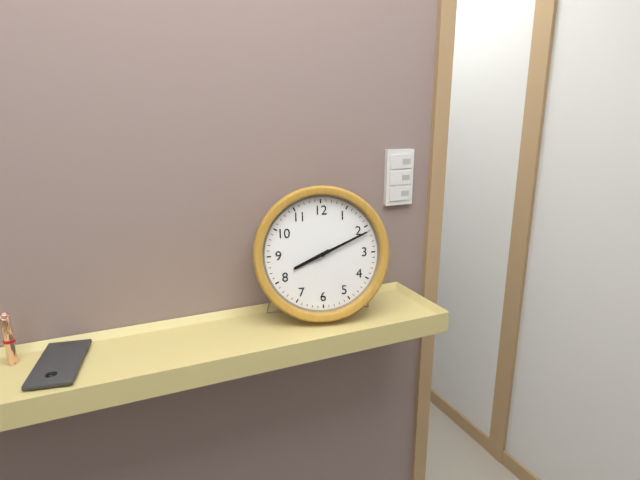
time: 8:11
